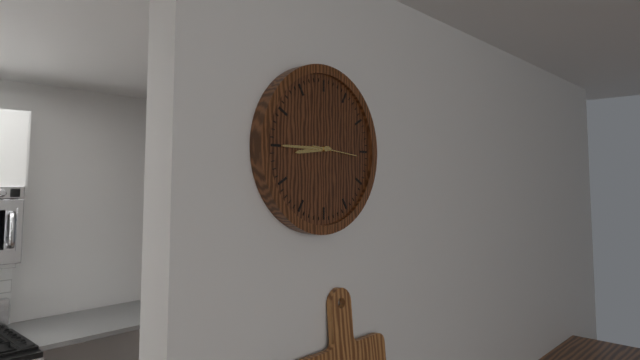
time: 8:45
